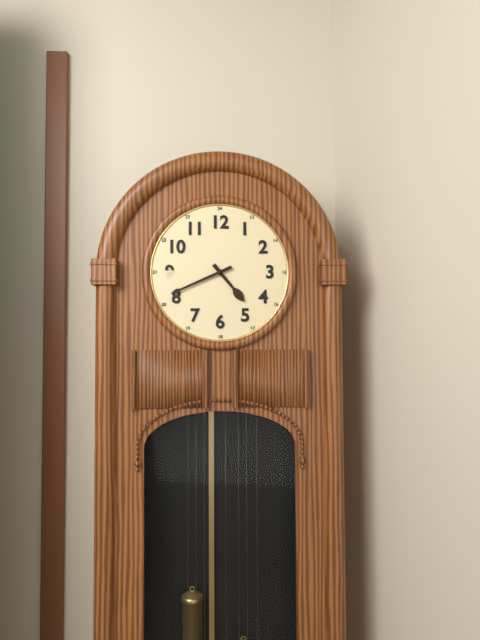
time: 4:41
